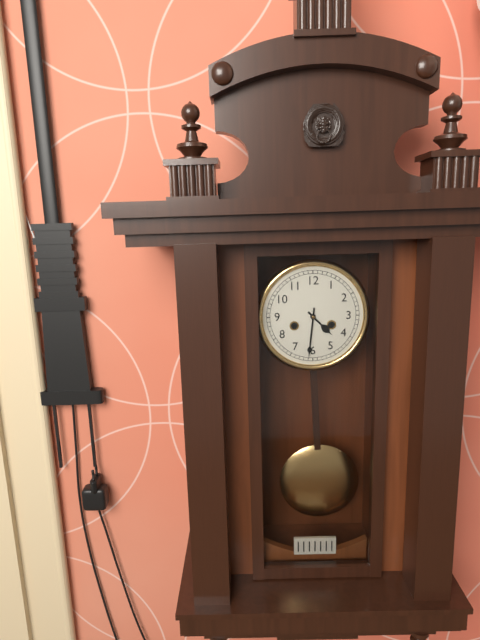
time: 4:31
